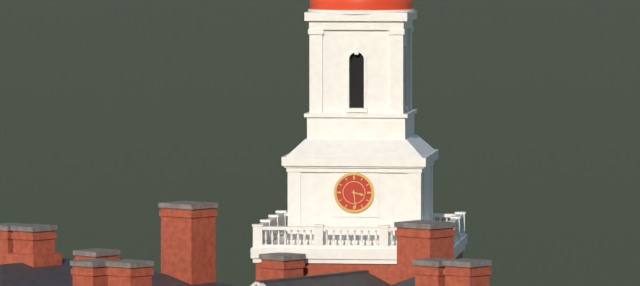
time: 3:29
